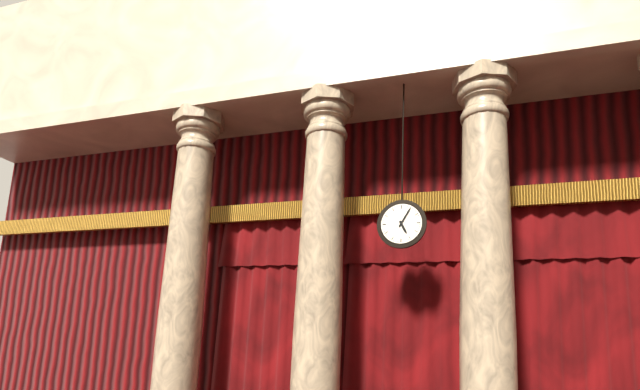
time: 5:05
